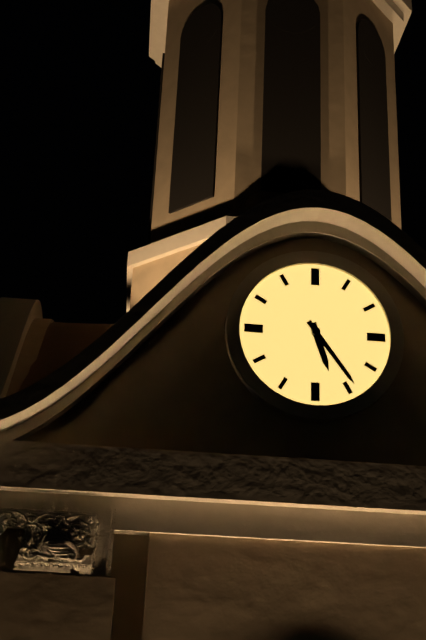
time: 5:24
